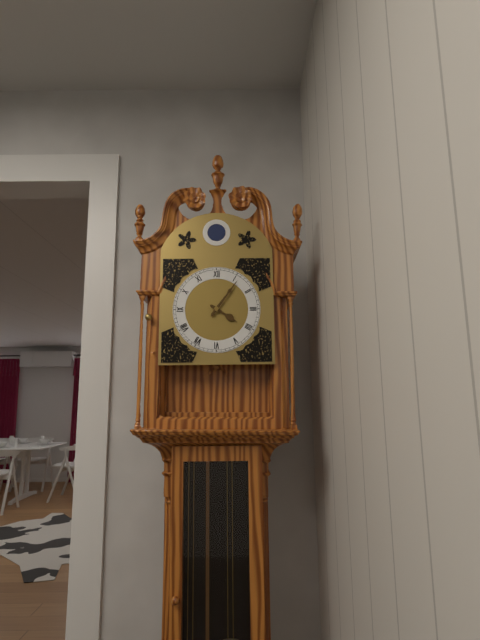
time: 4:06
